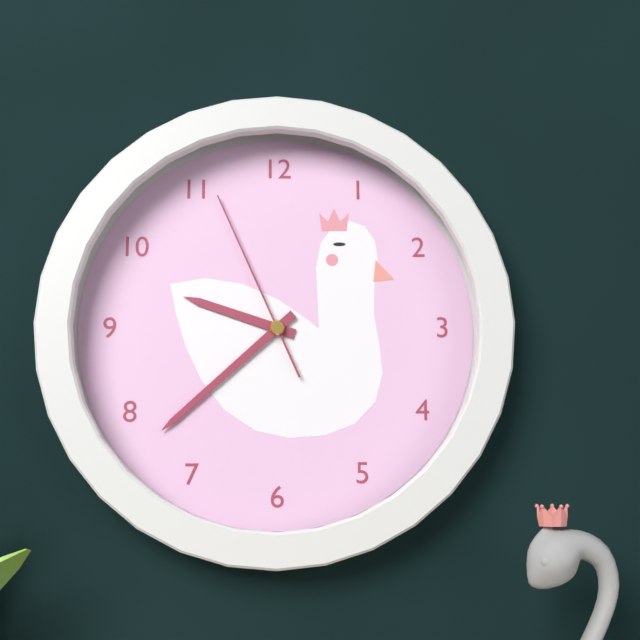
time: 9:38:56
